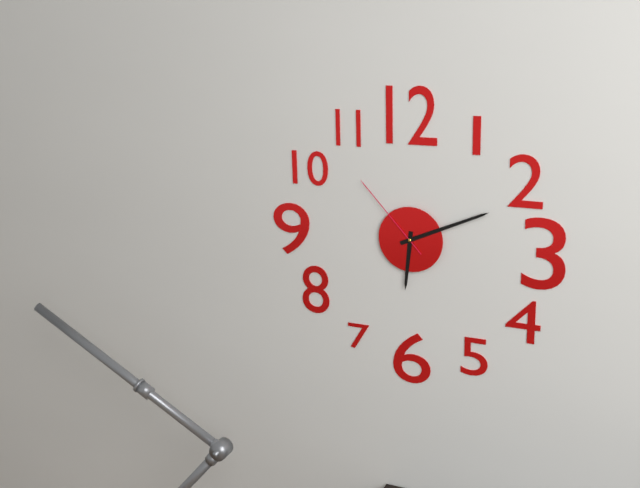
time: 6:11:53
